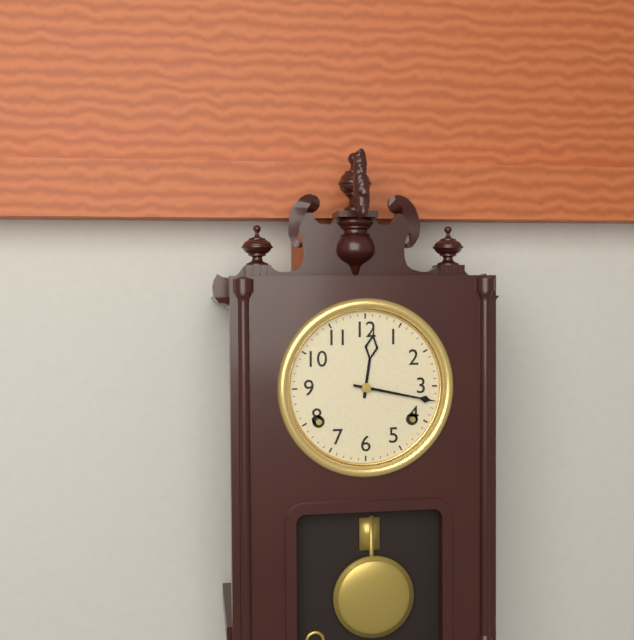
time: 12:17
